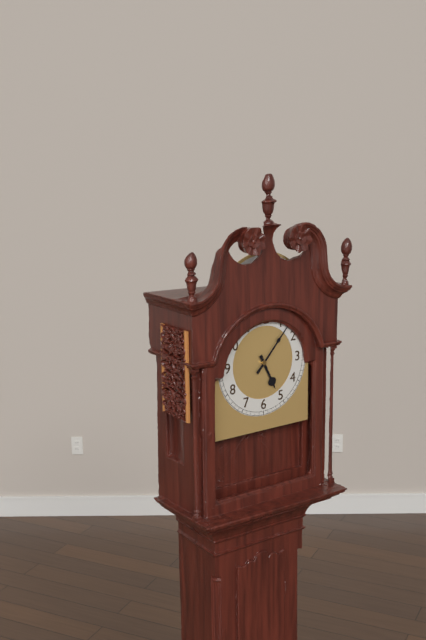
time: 5:07
